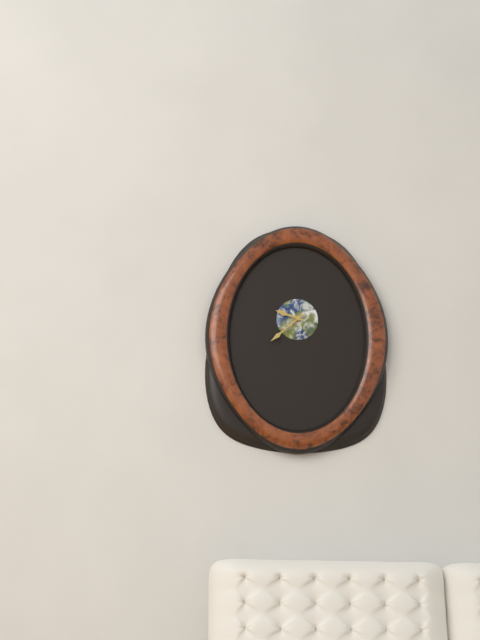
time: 9:38
